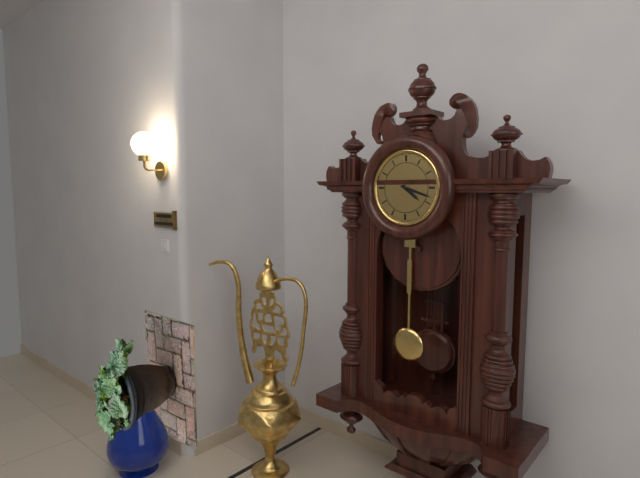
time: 4:18
